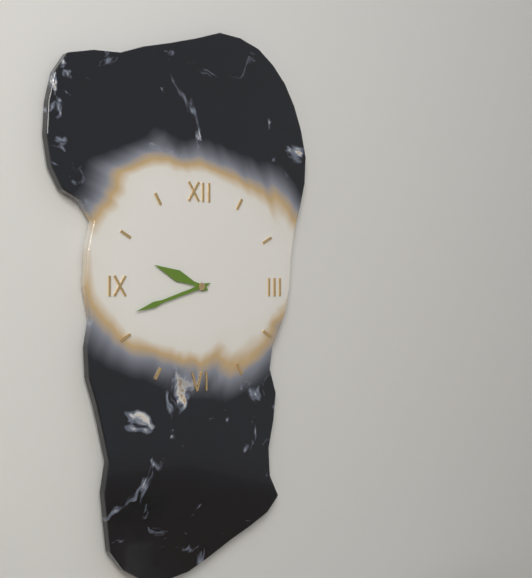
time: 9:42
